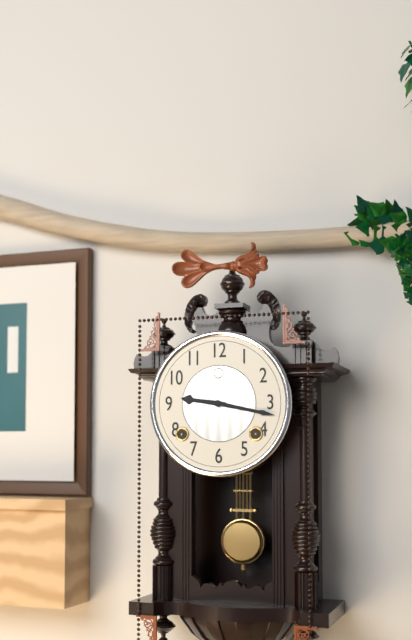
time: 9:17
